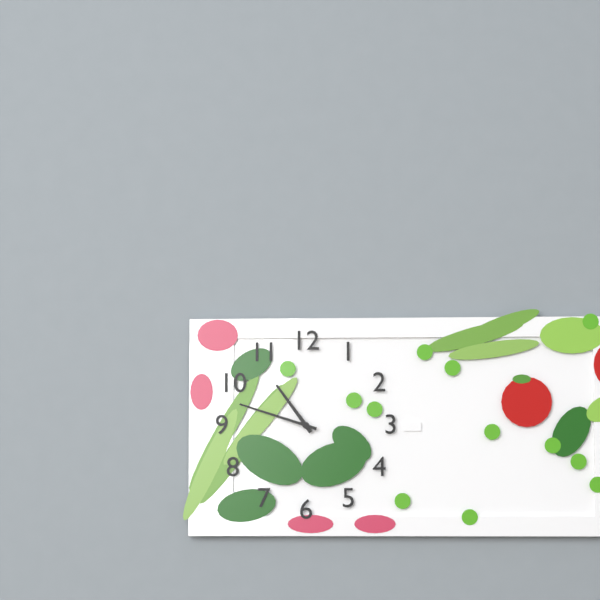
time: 10:48
